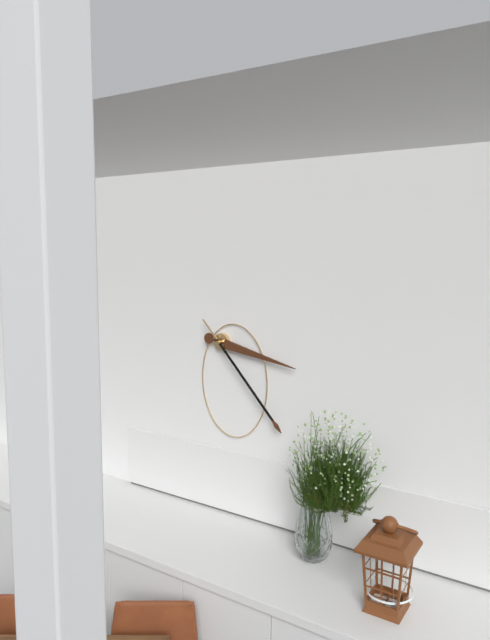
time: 3:23
